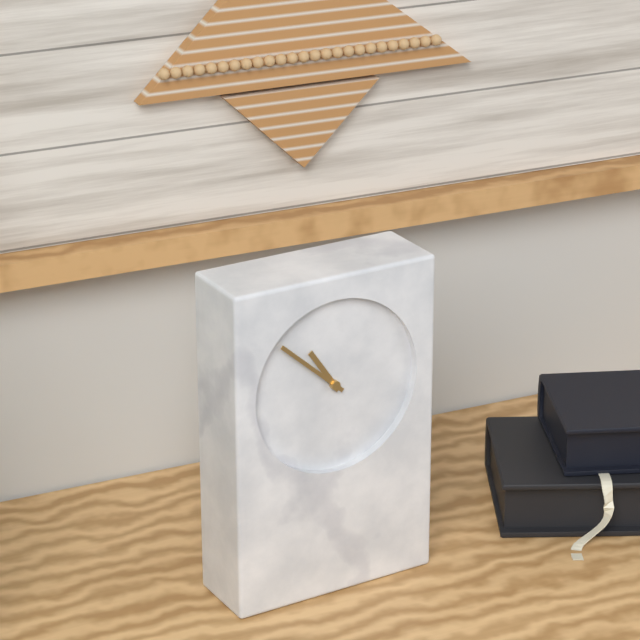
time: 10:52
